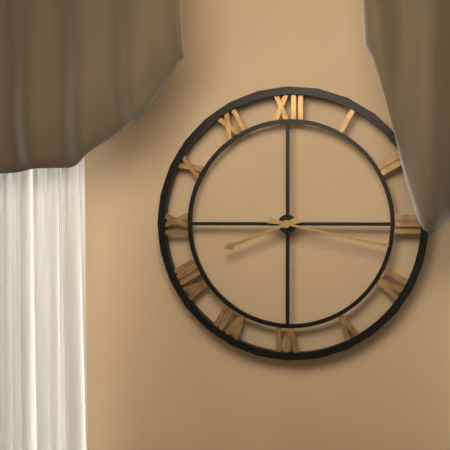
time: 8:17
